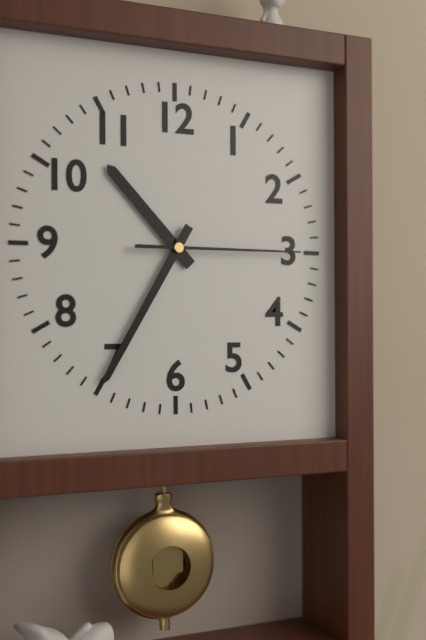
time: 10:35:15
